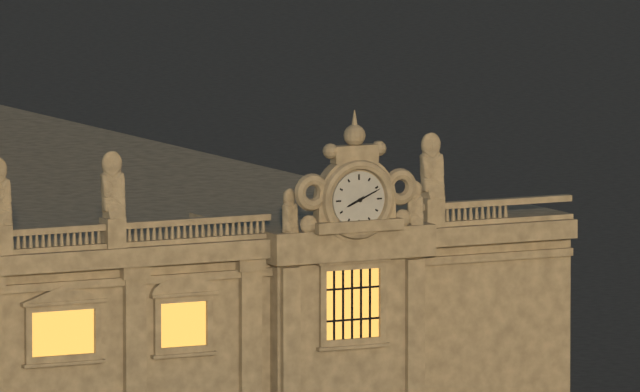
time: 8:11
